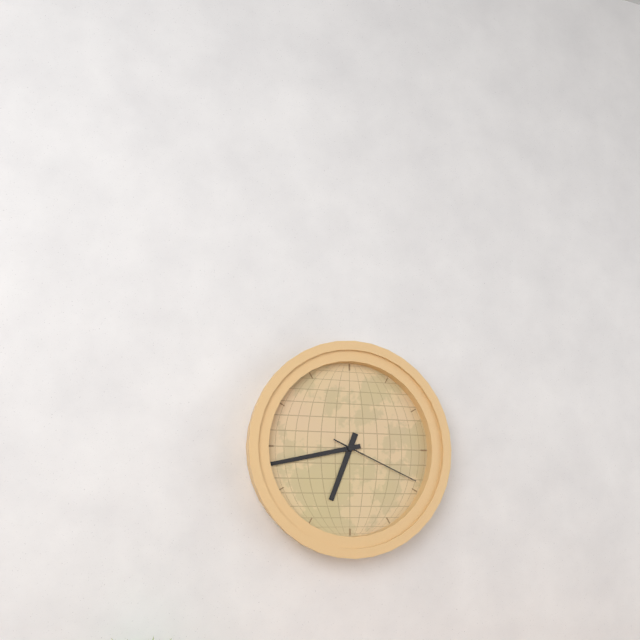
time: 6:43:19
